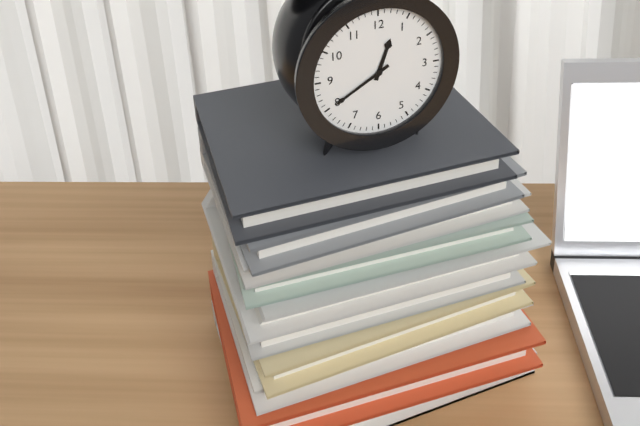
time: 12:40
